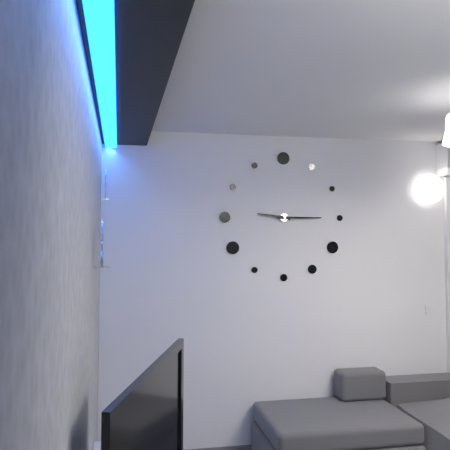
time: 9:15
